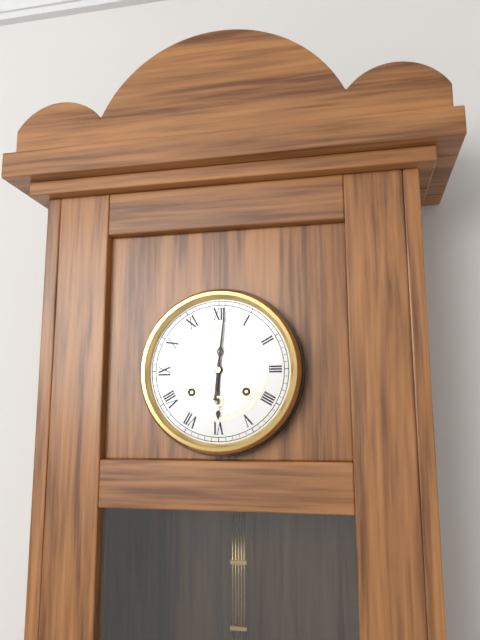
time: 6:01
